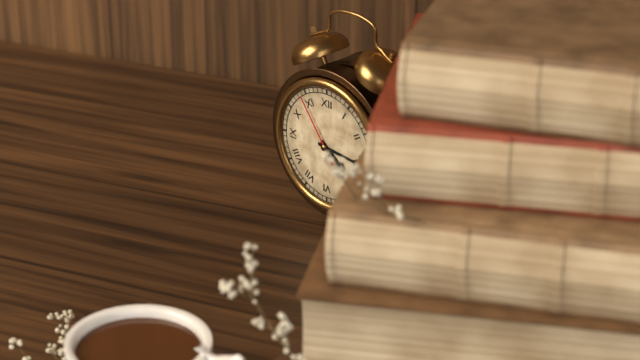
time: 4:16:54
